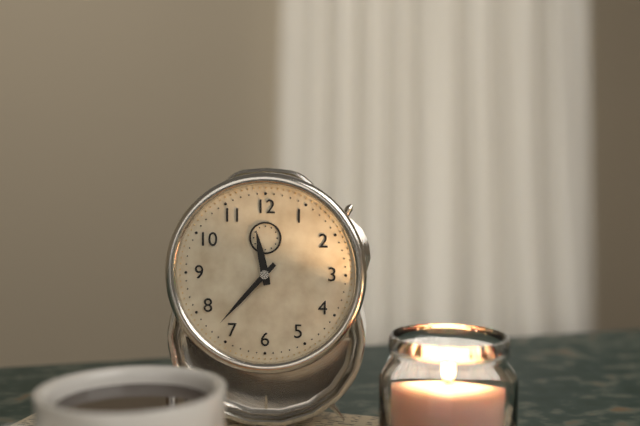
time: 11:37
